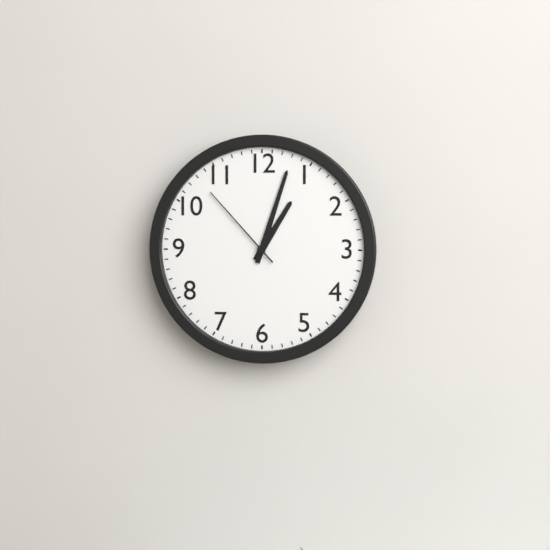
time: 1:03:53
